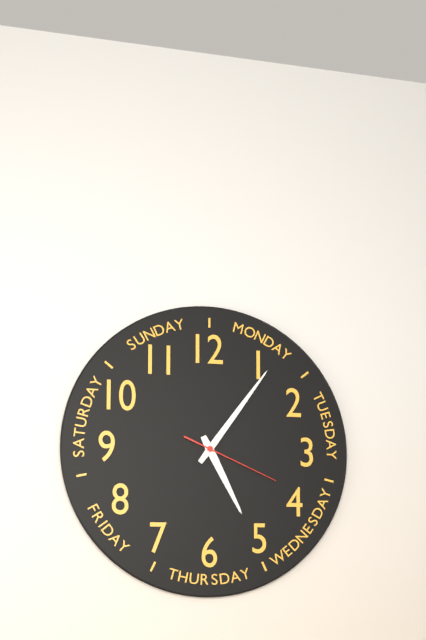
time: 5:06:19
